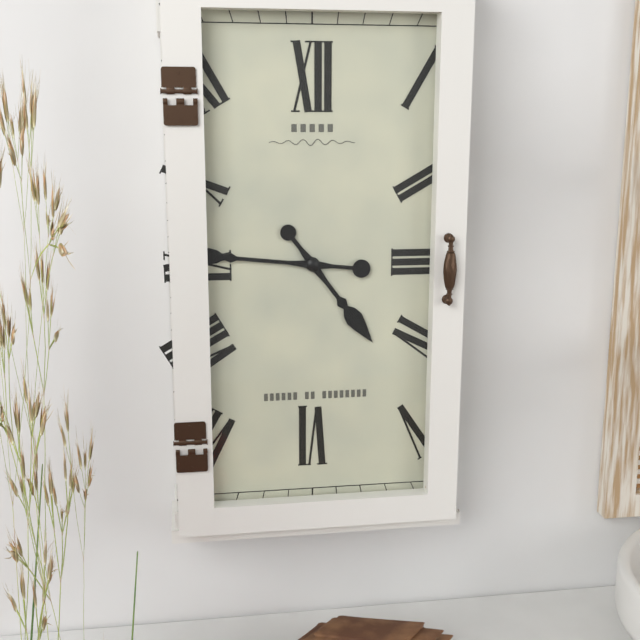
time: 4:46
